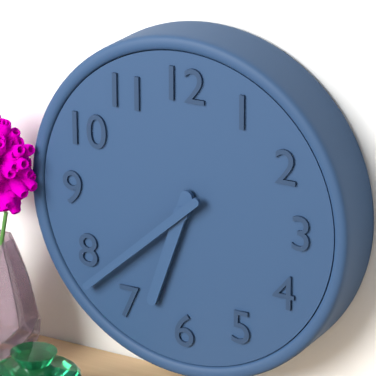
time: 6:38
